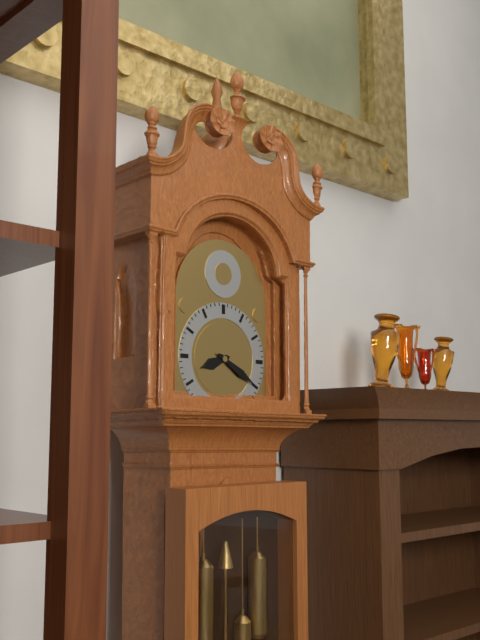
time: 8:20
